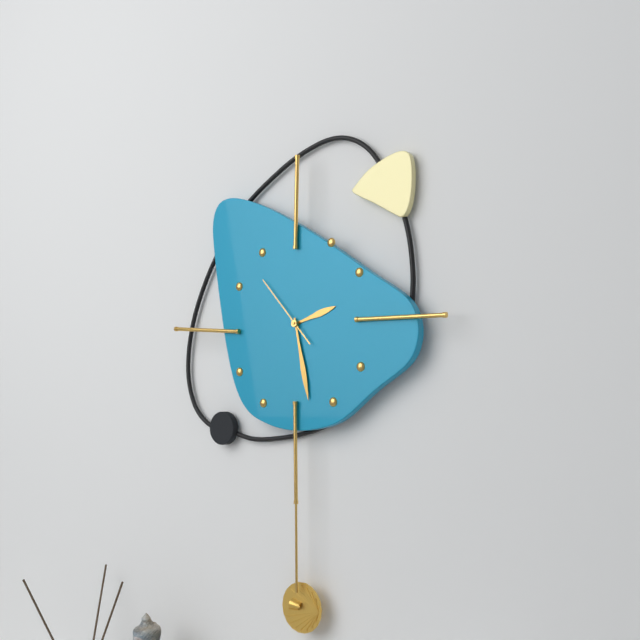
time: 2:28:53
